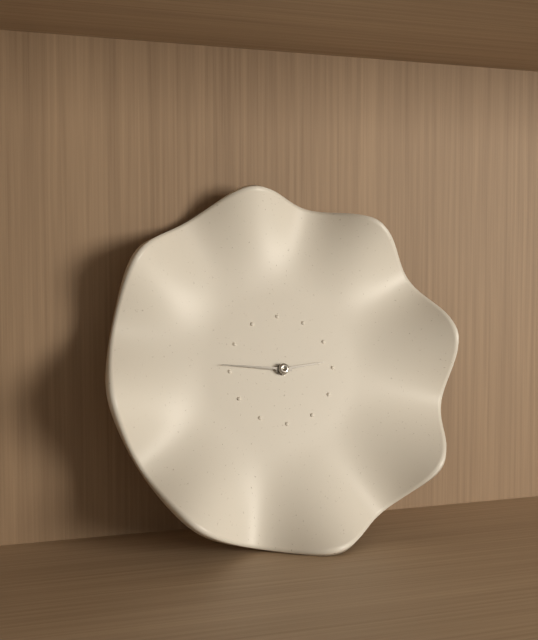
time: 2:46
